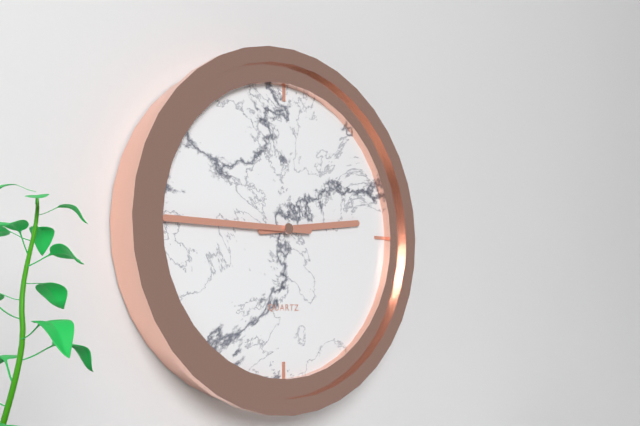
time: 2:45
